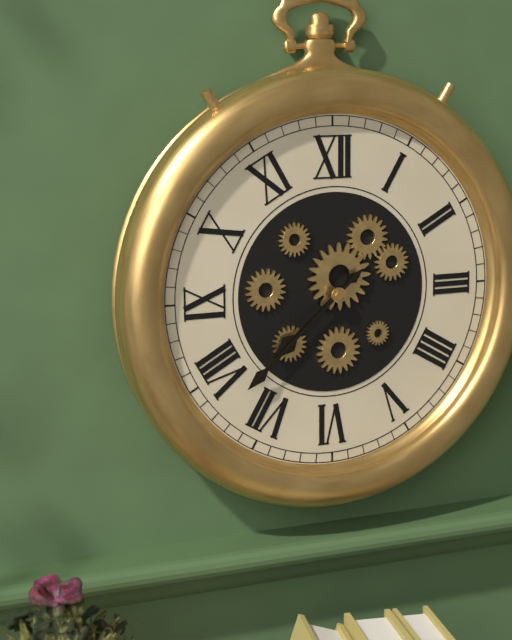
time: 7:38
